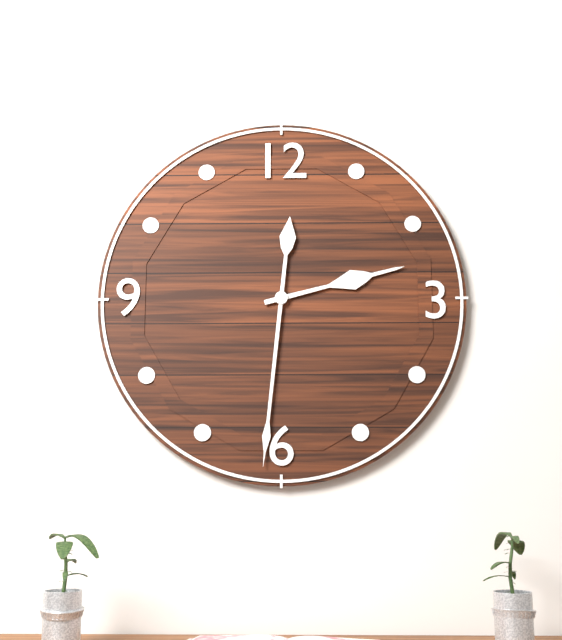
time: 2:31
